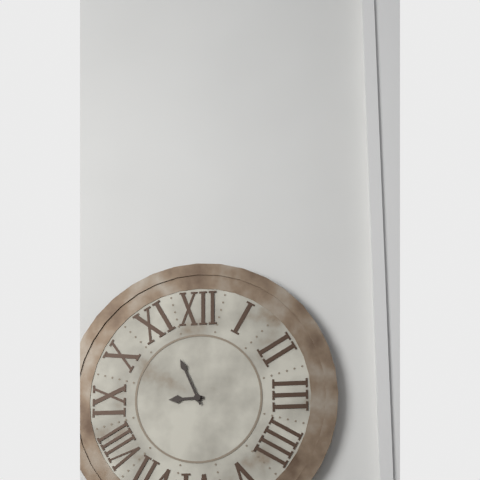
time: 8:56
